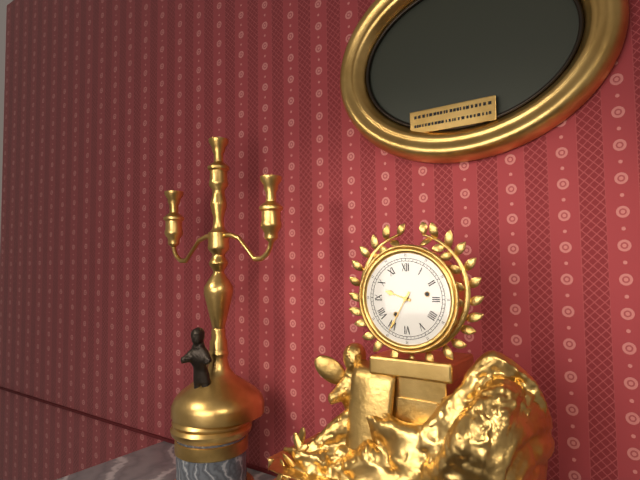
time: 9:35
